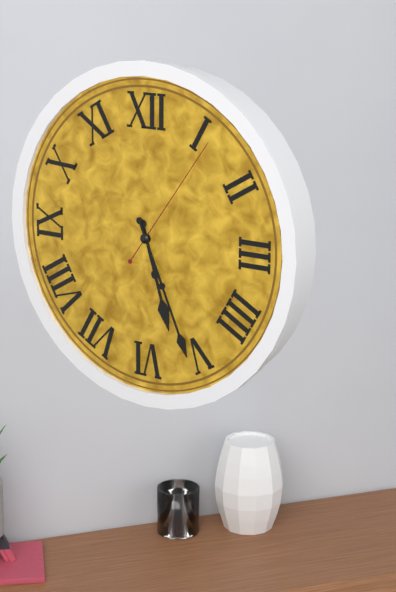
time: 5:26:06
